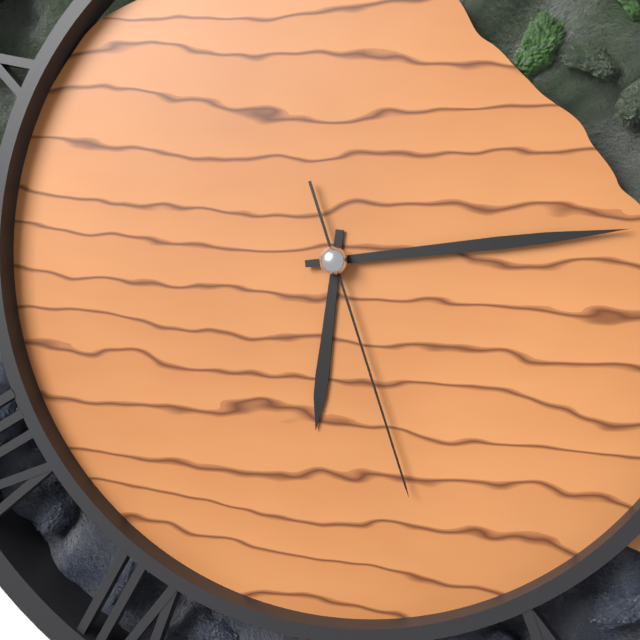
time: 6:14:27
